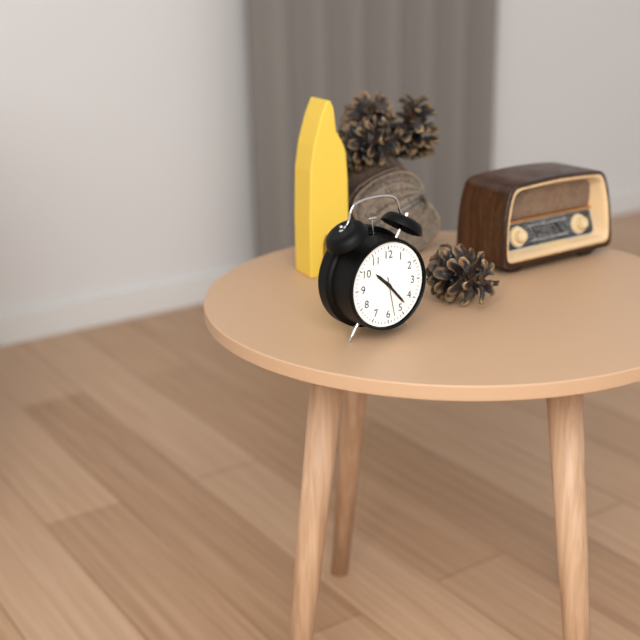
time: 10:23
